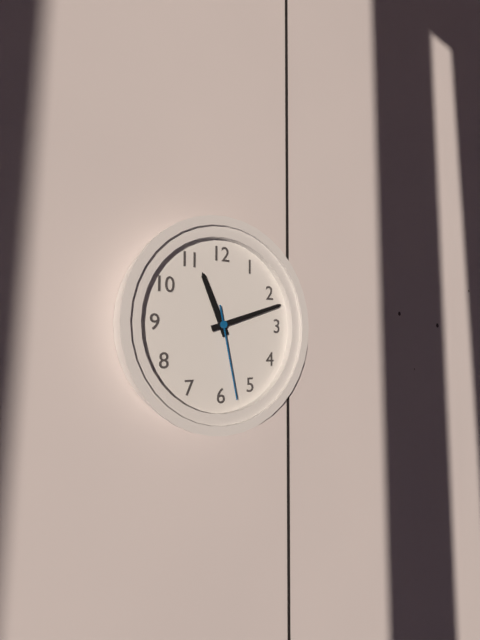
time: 11:12:28
